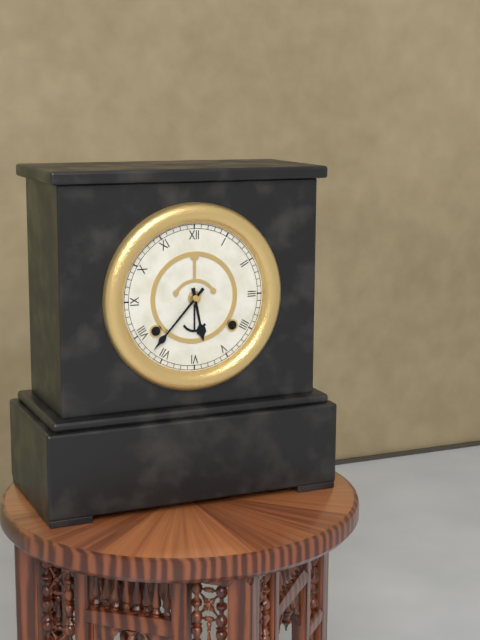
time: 5:37
